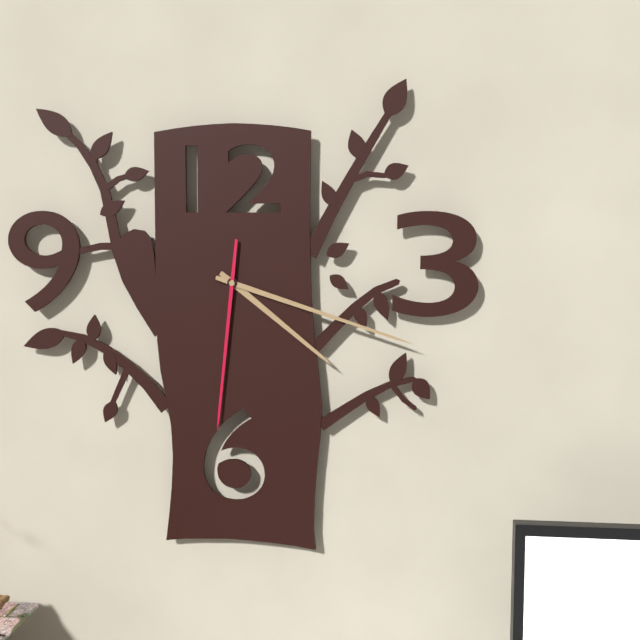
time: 4:18:31
